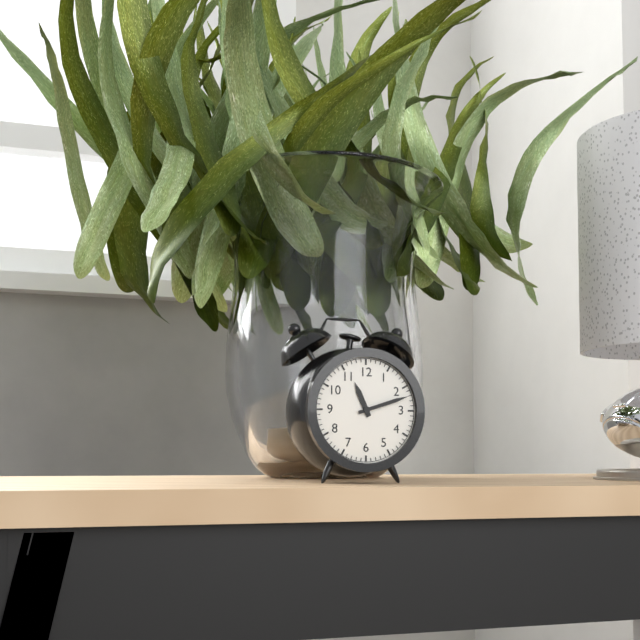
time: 11:12
